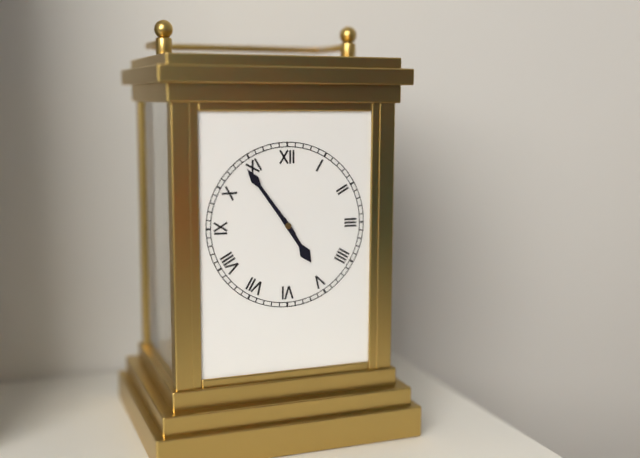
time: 4:54
